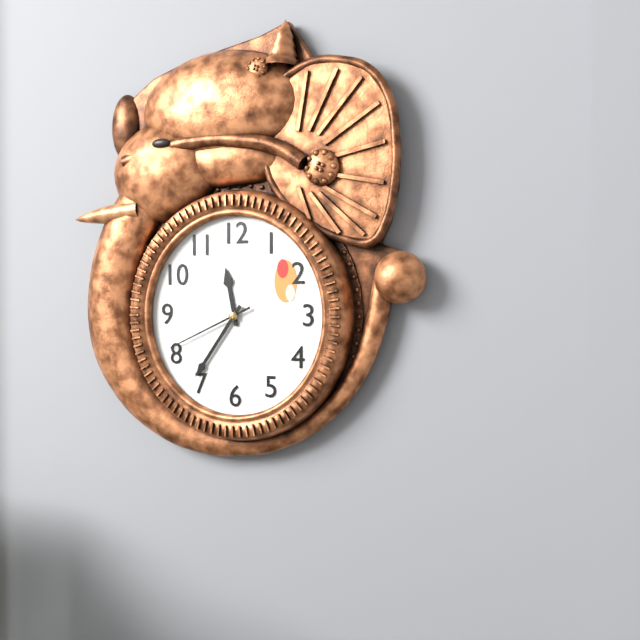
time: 11:36:41
